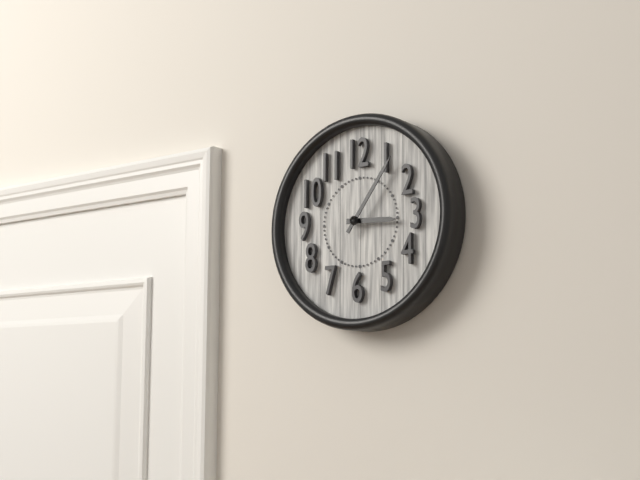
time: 3:06
